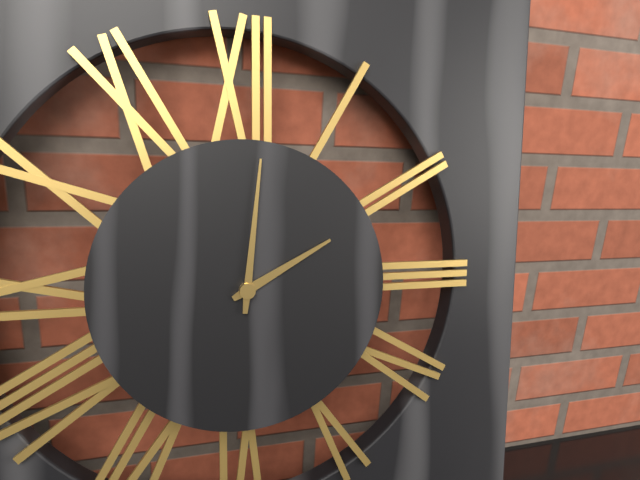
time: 2:01
